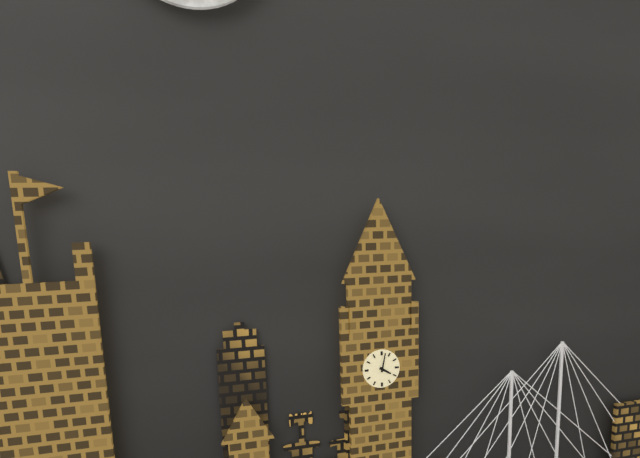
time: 4:02
